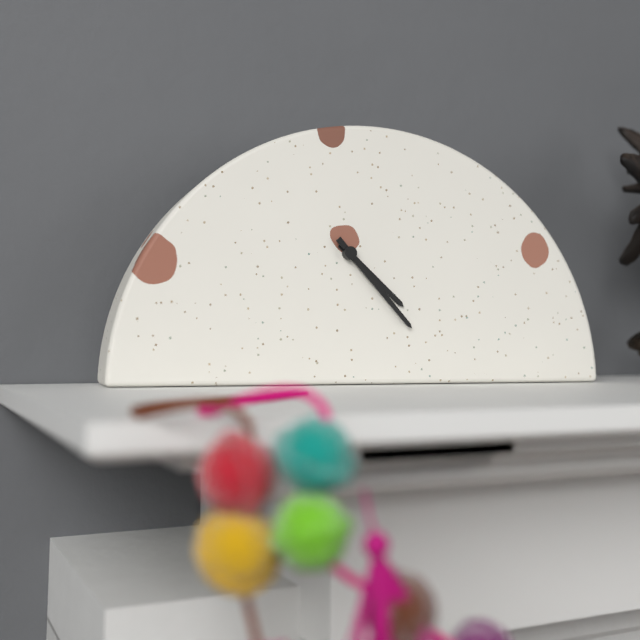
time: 4:23
